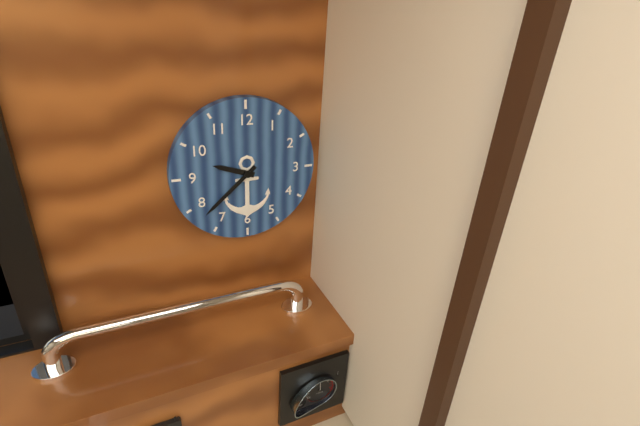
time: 9:38
